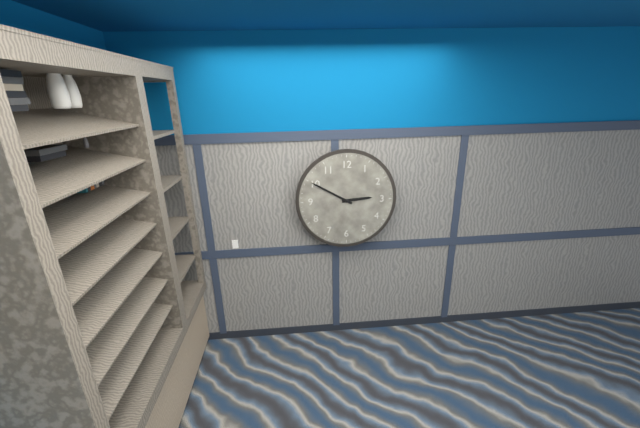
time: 2:50
